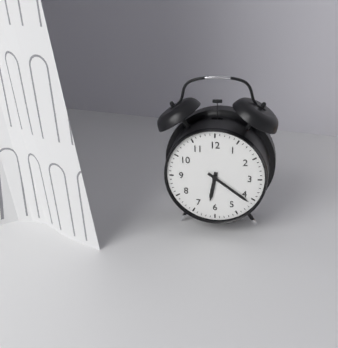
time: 6:21
